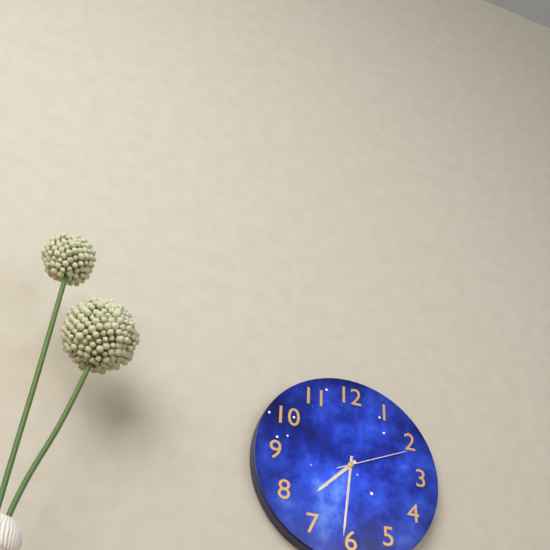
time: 7:31:11
